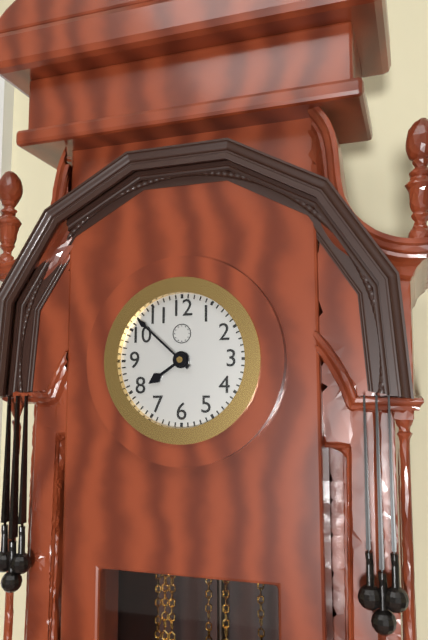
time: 7:52
